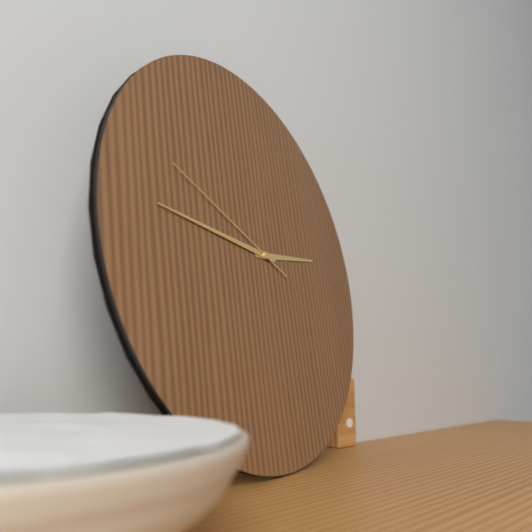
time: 2:46:49
